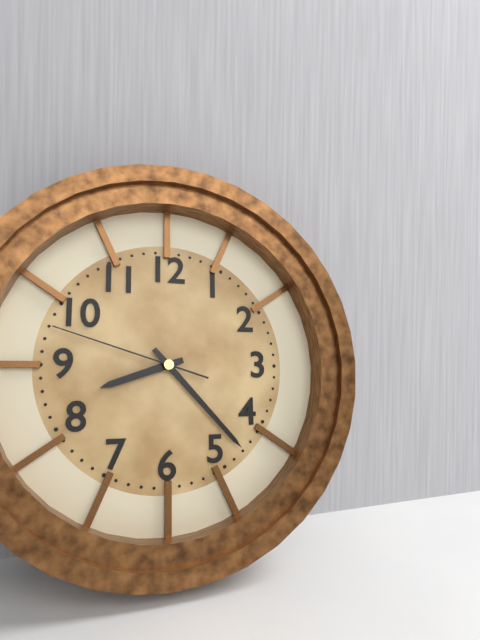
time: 8:23:48
